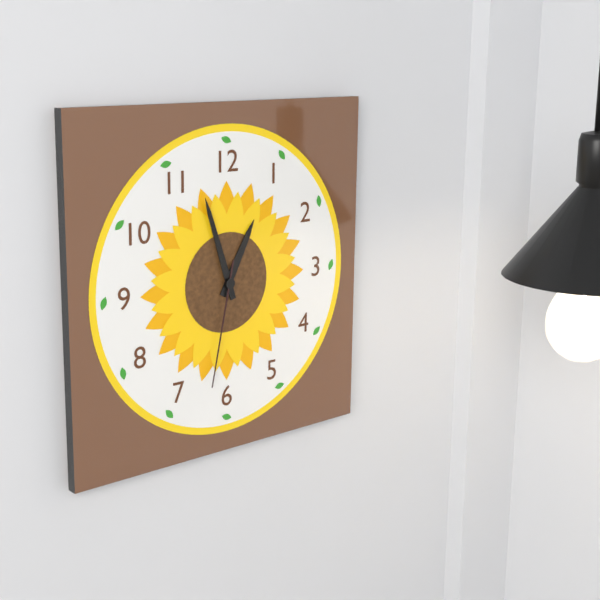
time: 12:57:32
